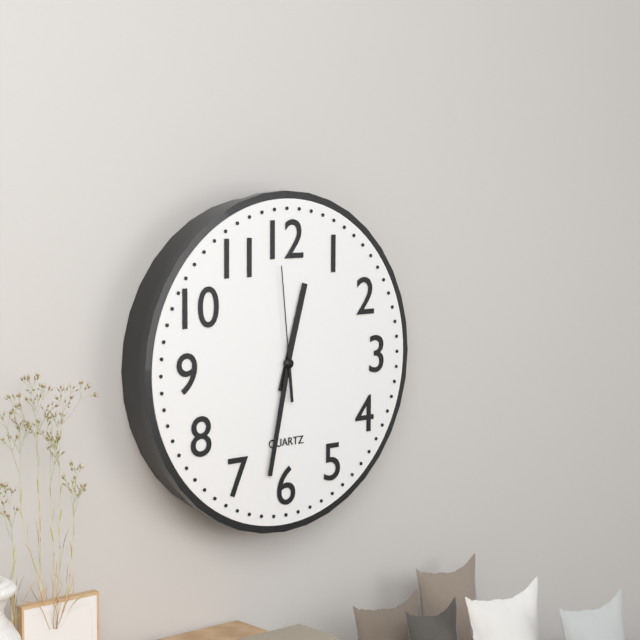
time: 12:32:59
